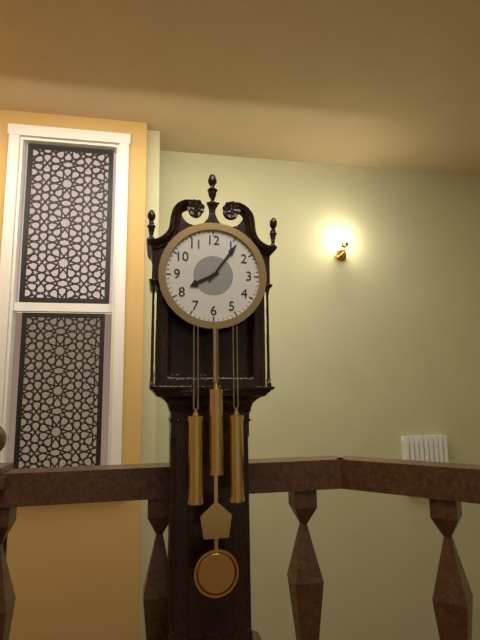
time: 8:06
